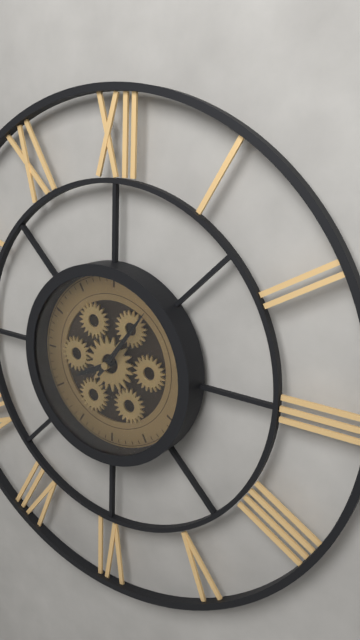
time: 8:06
